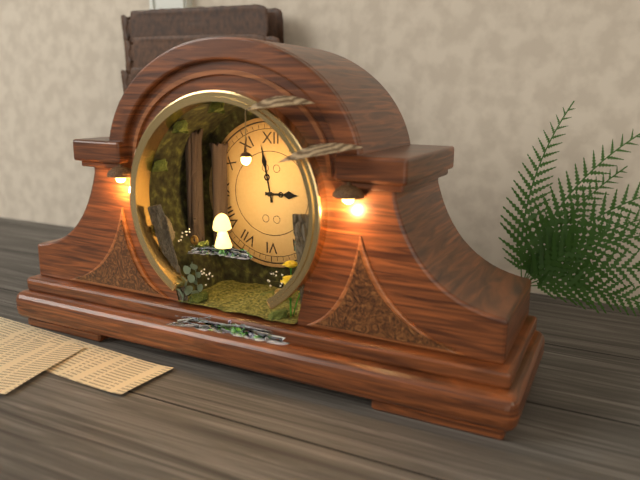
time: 2:58
